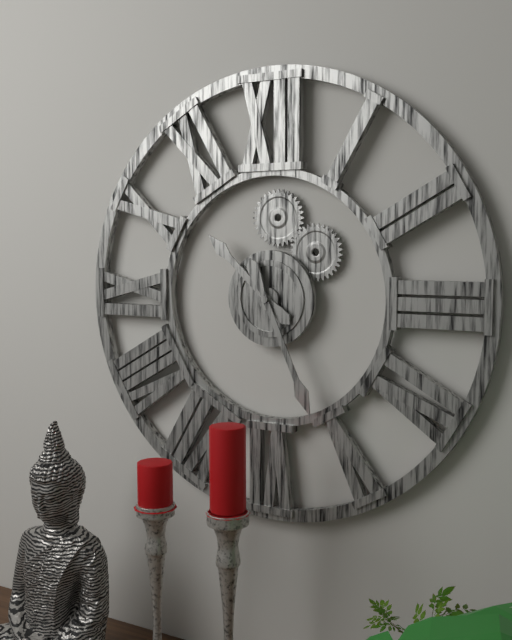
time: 10:26
